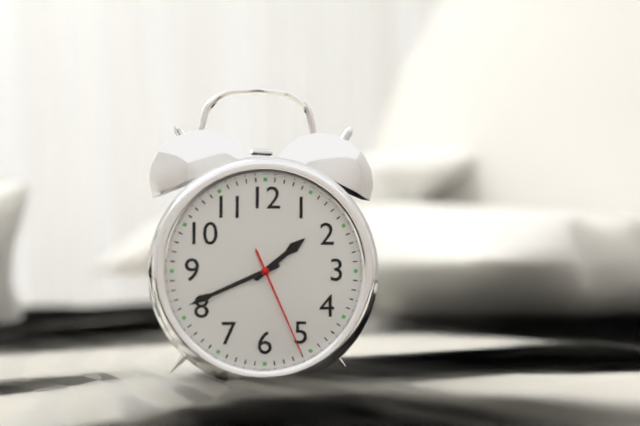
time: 1:41:26
